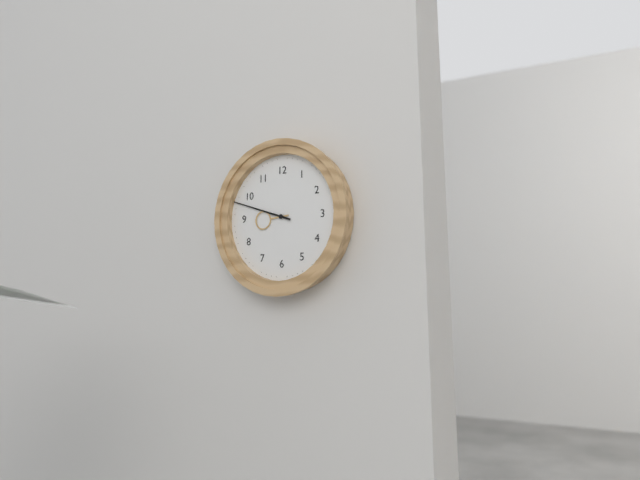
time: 8:48
